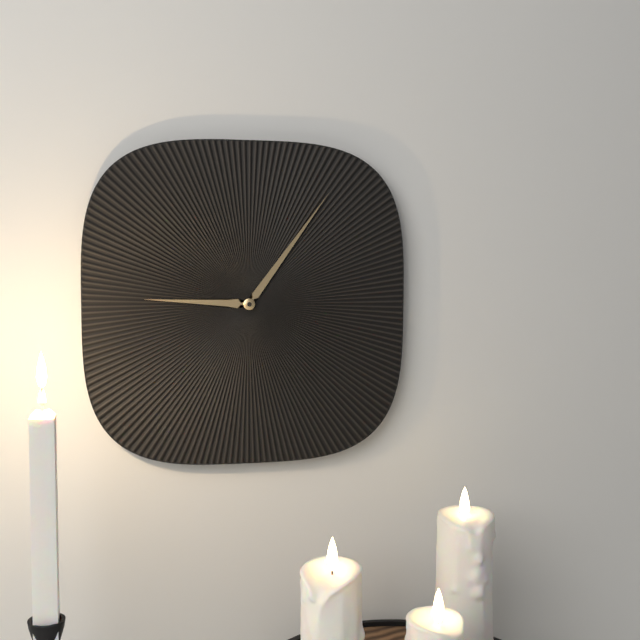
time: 9:06
